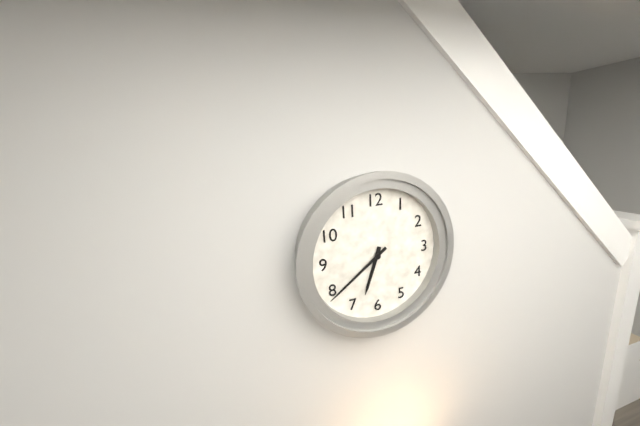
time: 6:39
